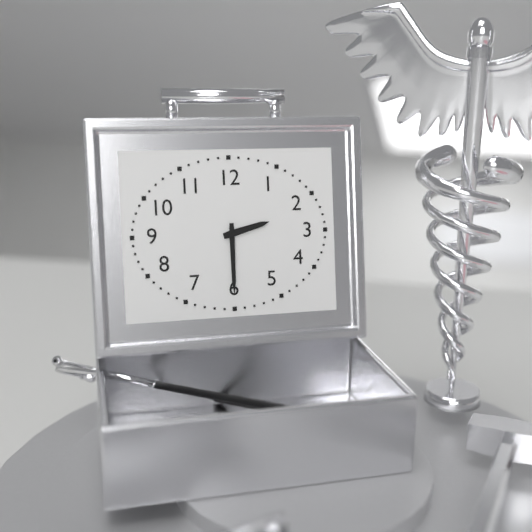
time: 2:30
